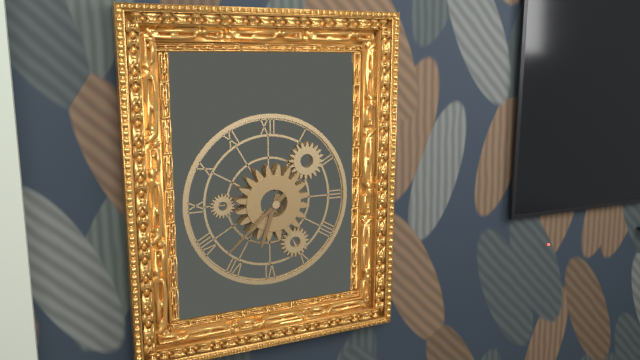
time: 6:38
